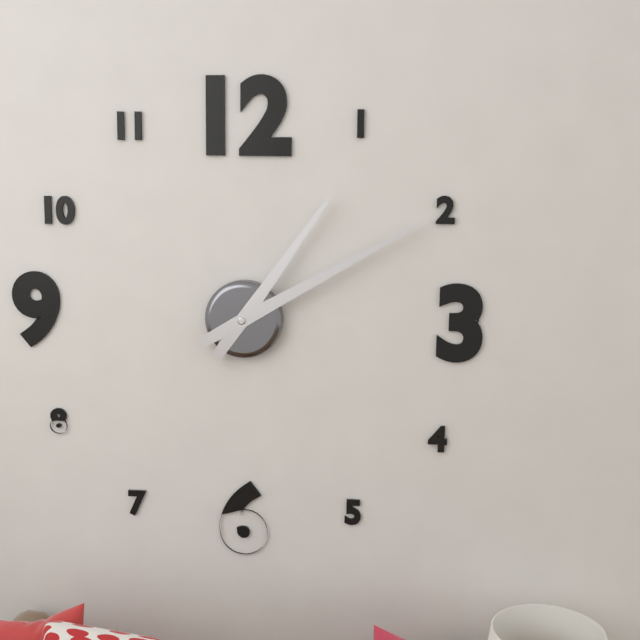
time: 1:10
